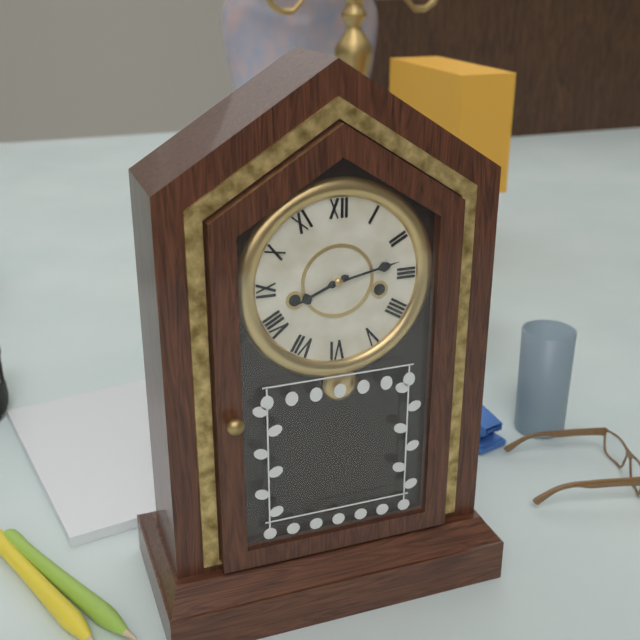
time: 8:13
